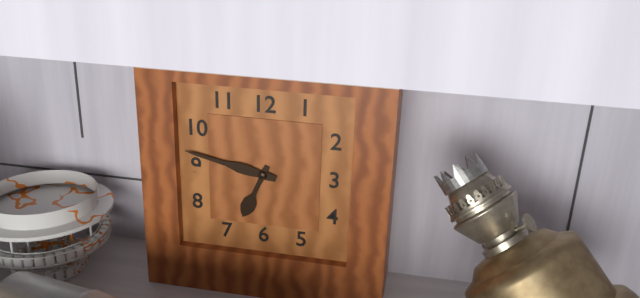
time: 6:47
